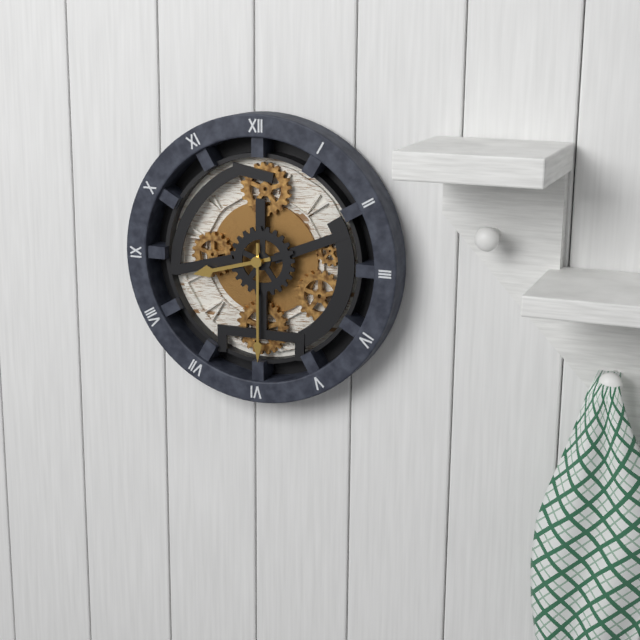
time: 8:30
